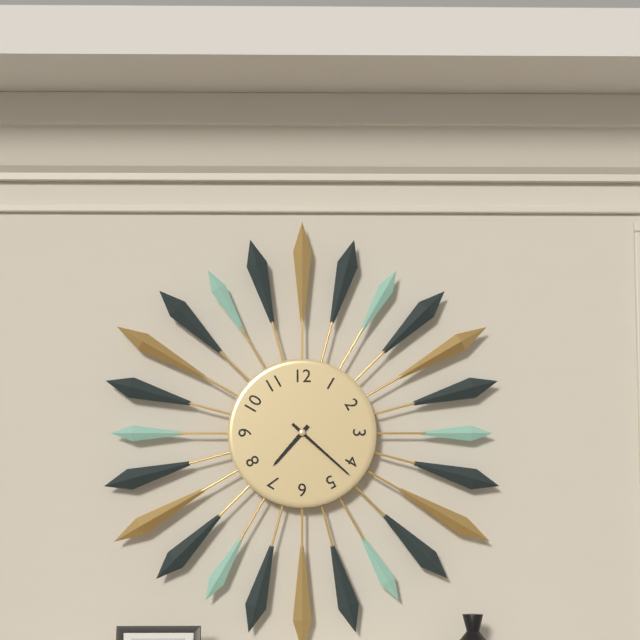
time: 7:22
